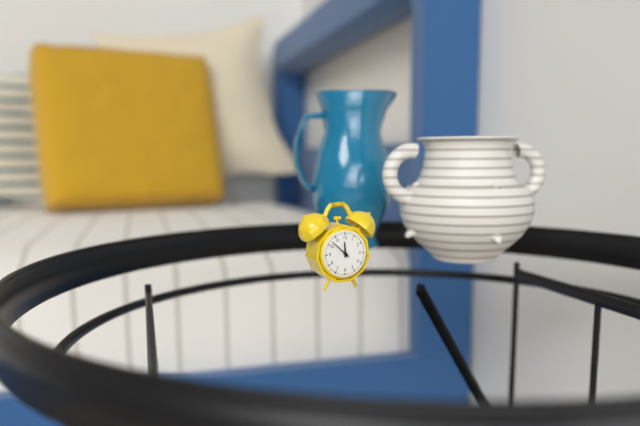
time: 11:52
